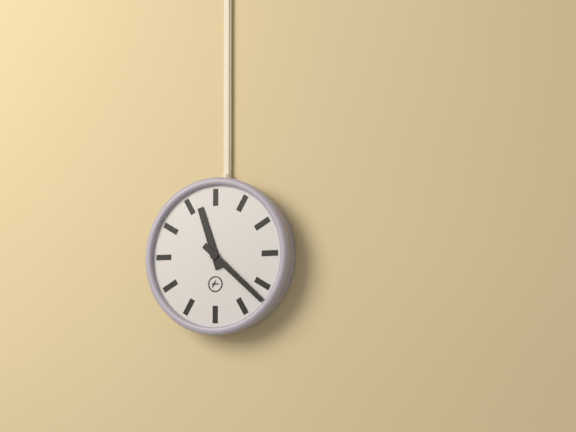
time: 11:22
